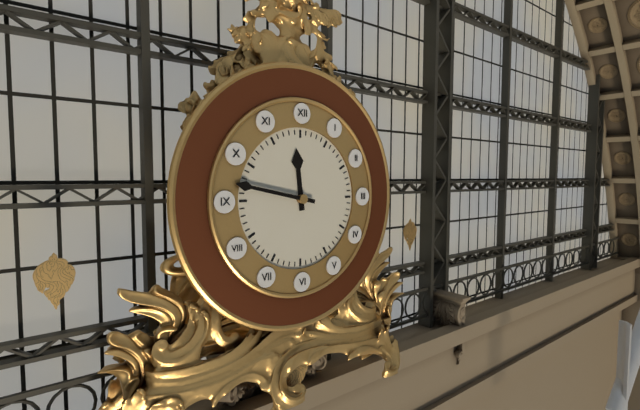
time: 11:47
